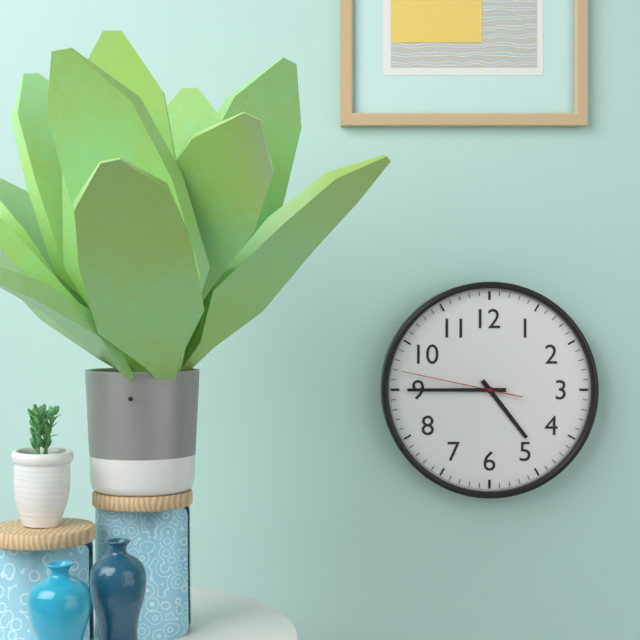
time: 4:45:47
